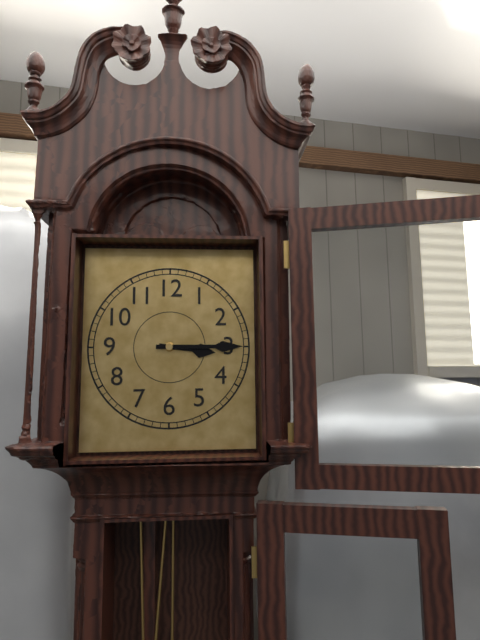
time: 3:15
